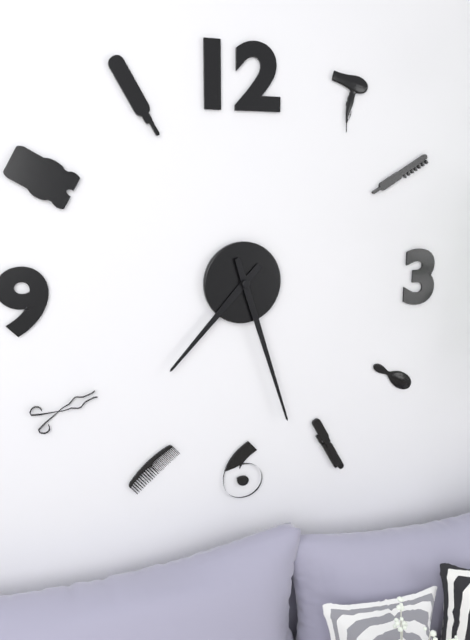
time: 7:27
